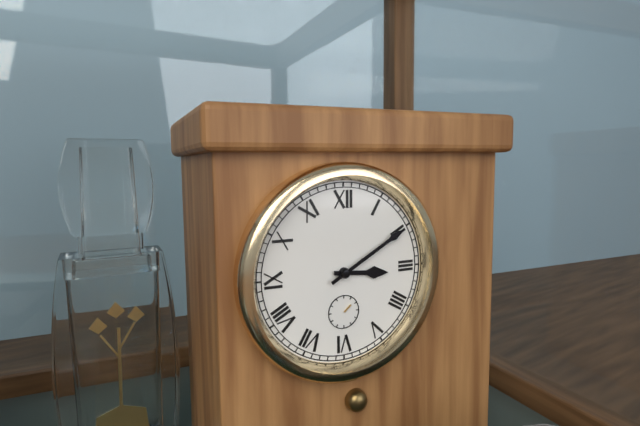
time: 3:10
